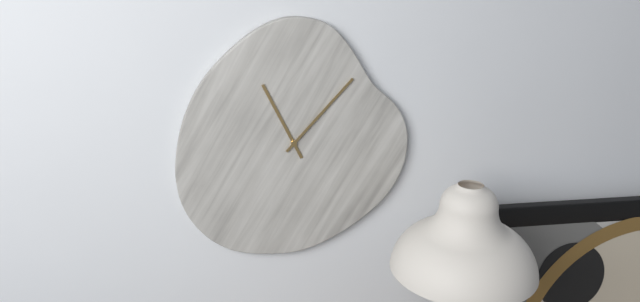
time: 11:07
